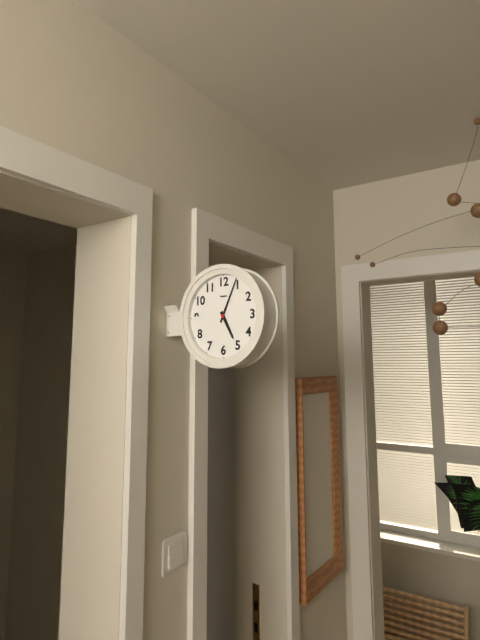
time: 5:04
